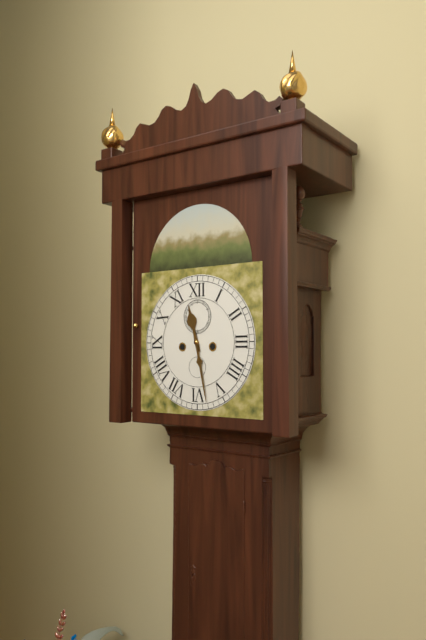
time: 11:28
